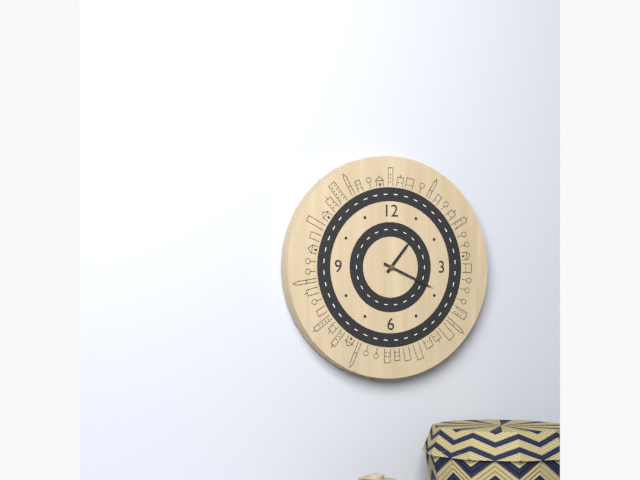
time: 1:19
